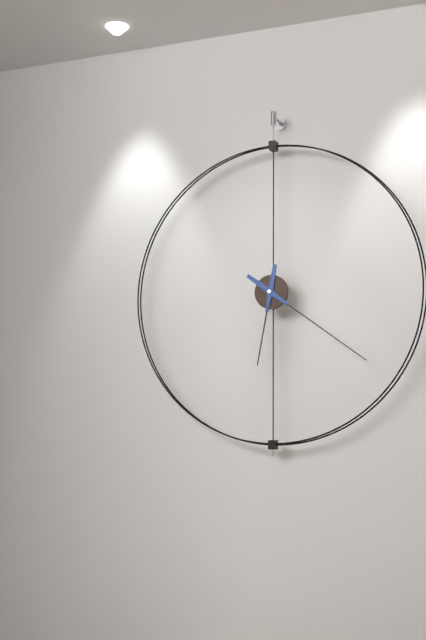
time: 6:21
